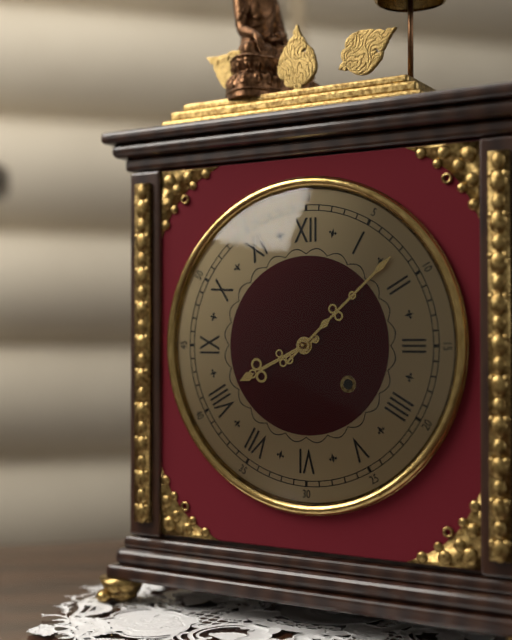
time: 8:08
